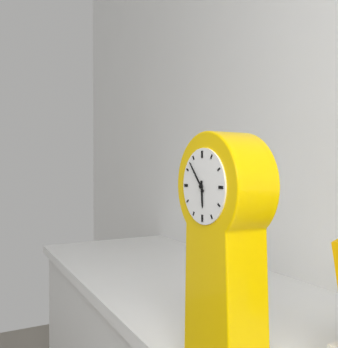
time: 5:53
